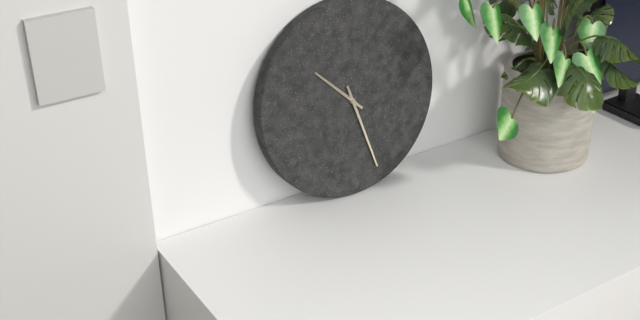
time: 10:27
